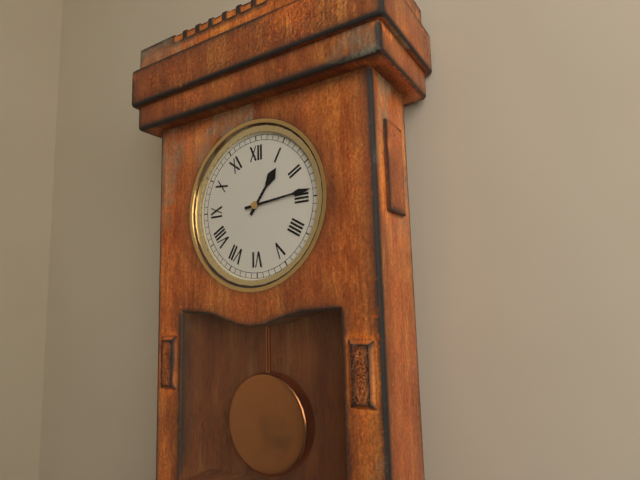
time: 1:14
